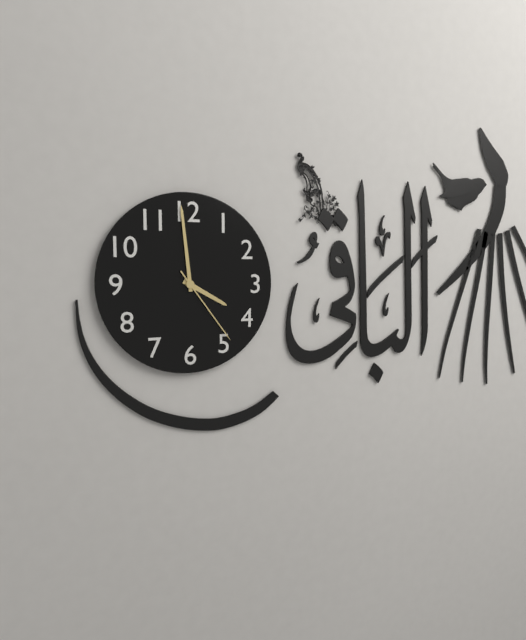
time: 3:59:24
